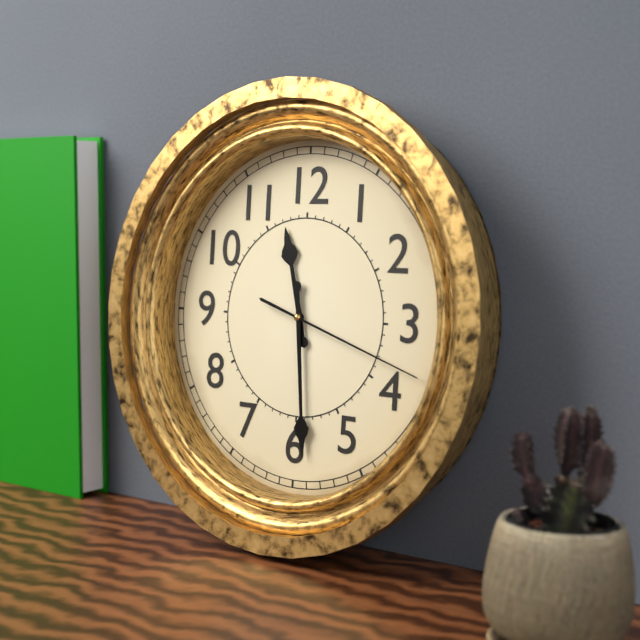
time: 11:29:18
